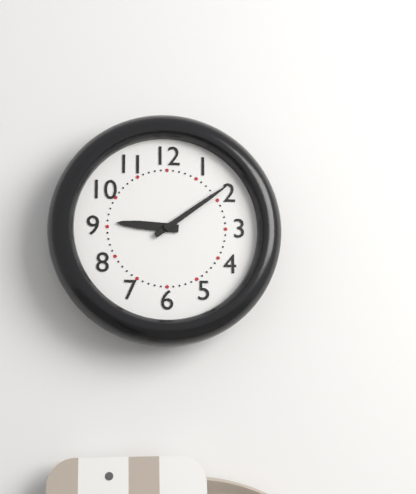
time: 9:09
